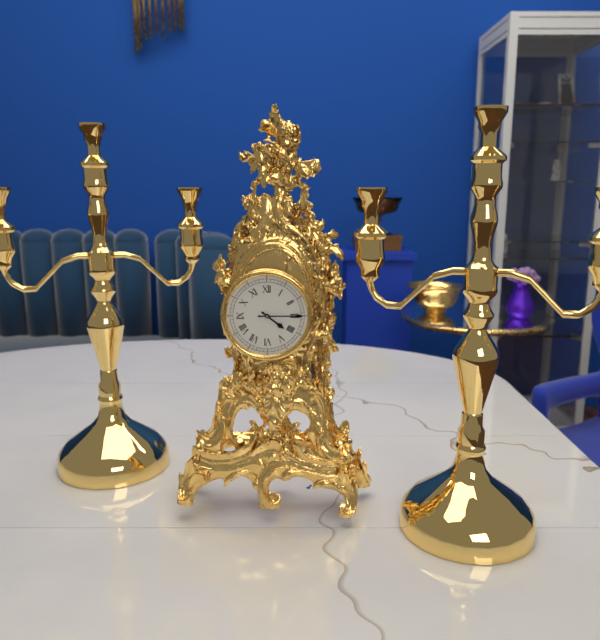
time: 4:15
